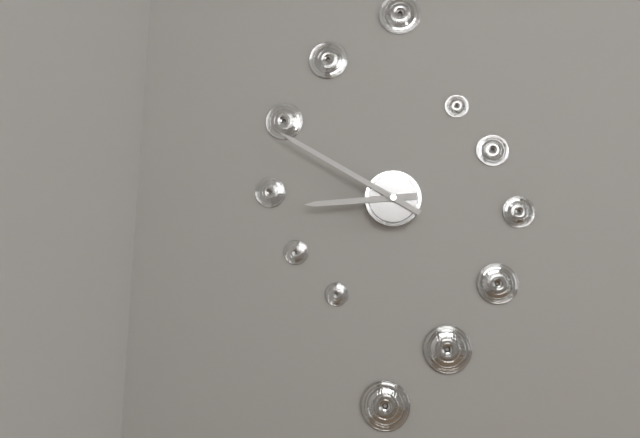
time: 8:50
